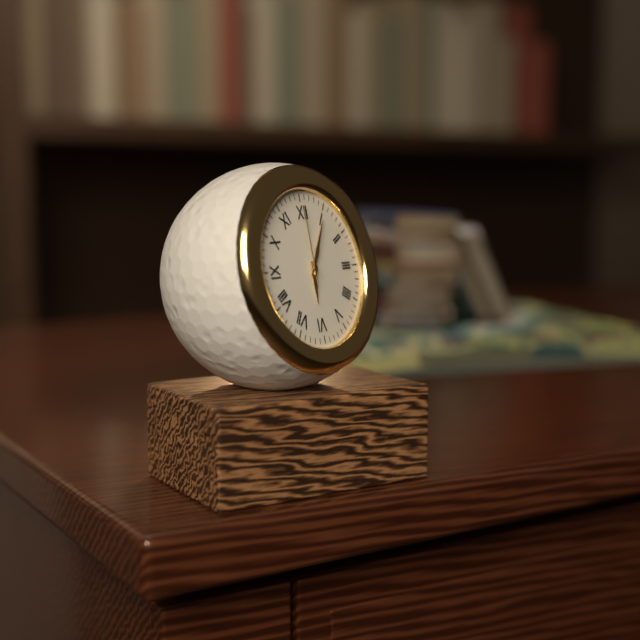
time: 6:05:00
